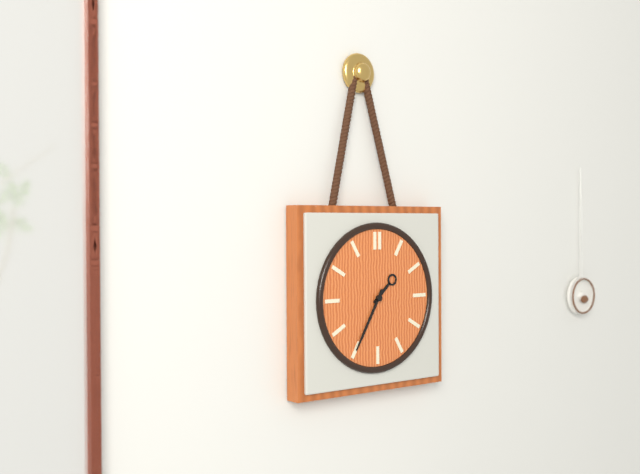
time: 1:35
